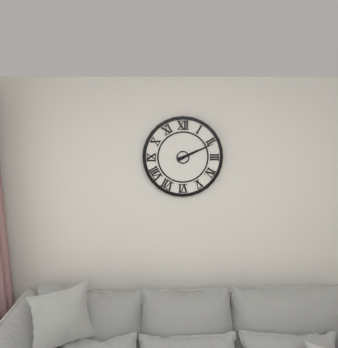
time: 2:11
